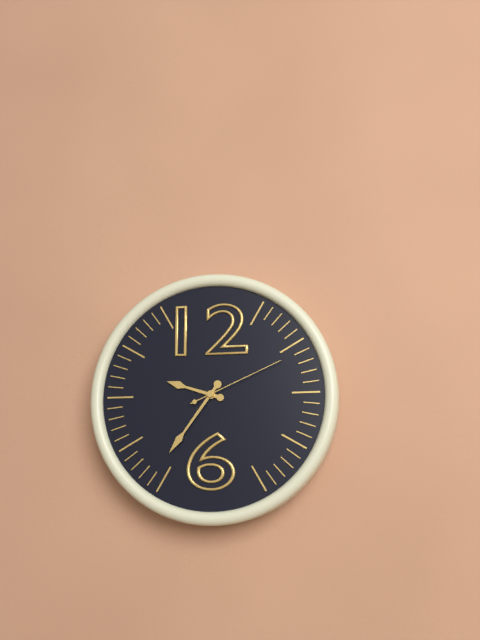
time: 9:36:11
